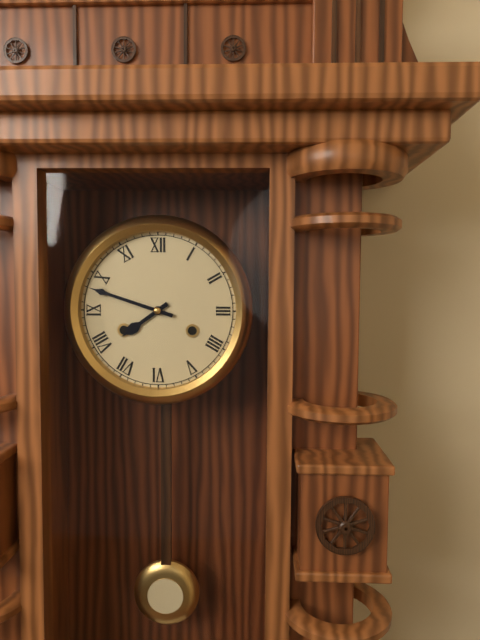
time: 7:48
